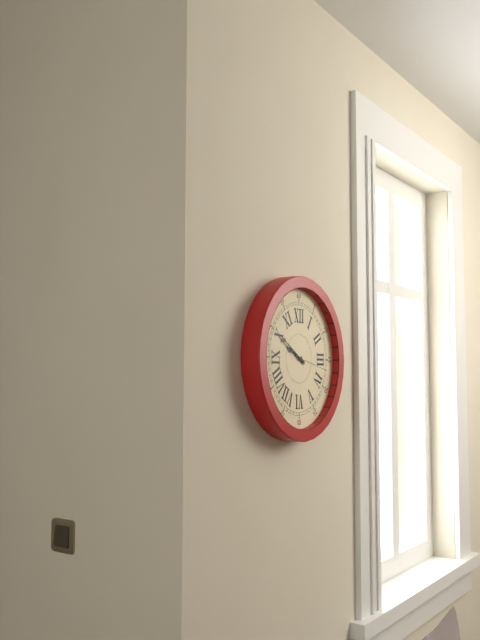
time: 9:50
